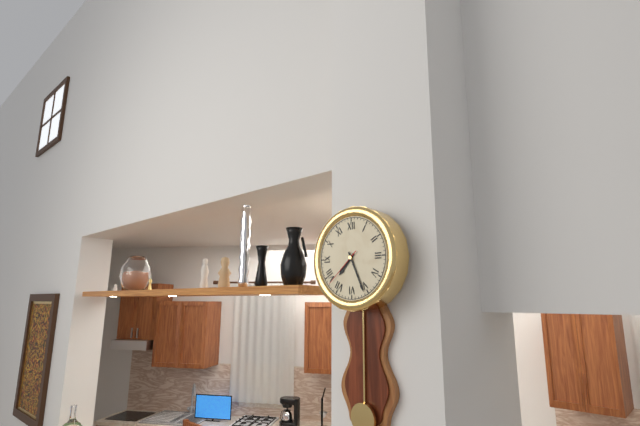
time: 7:26
